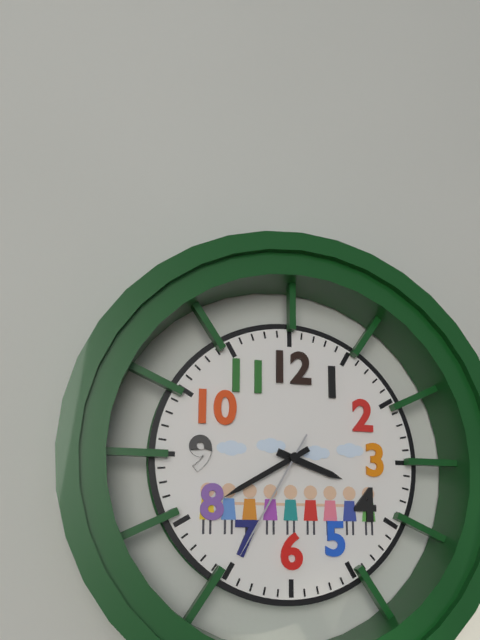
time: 3:40:35
